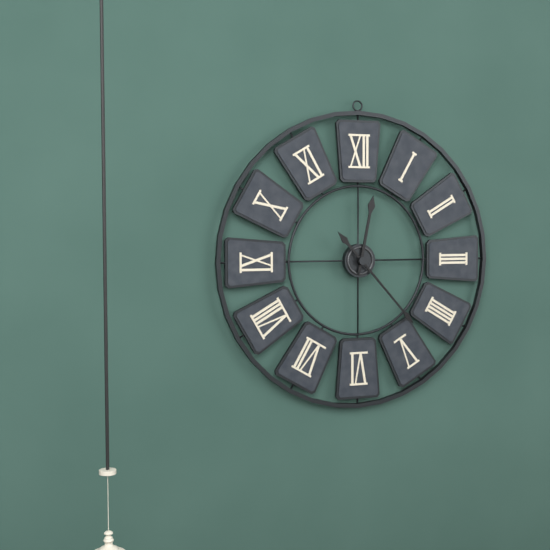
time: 12:23
